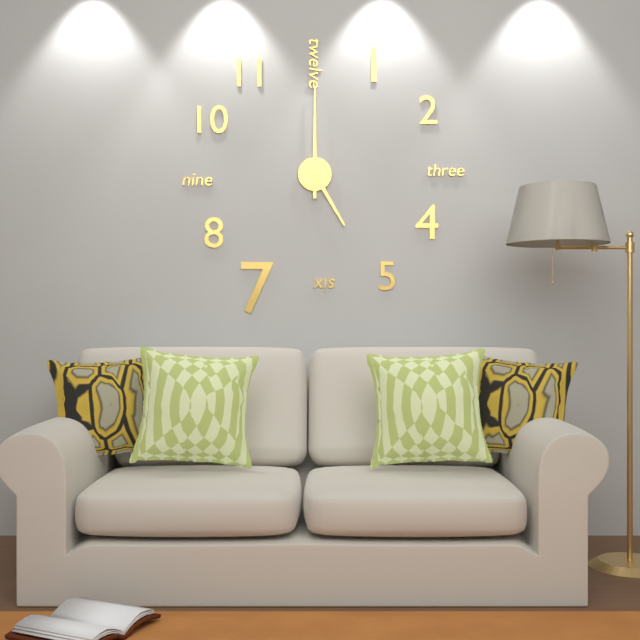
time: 5:00
